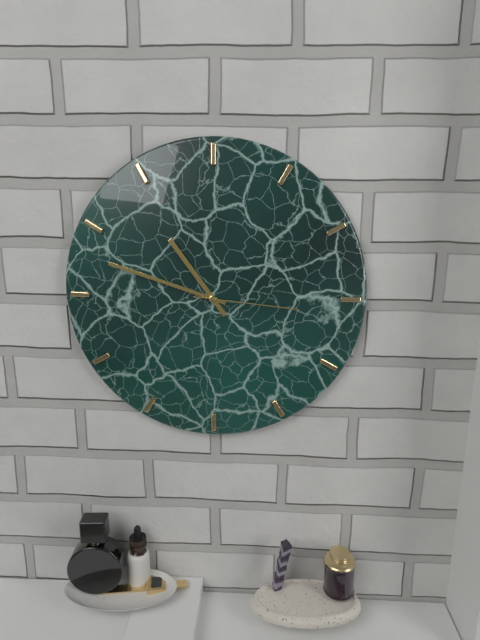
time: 10:48:16
